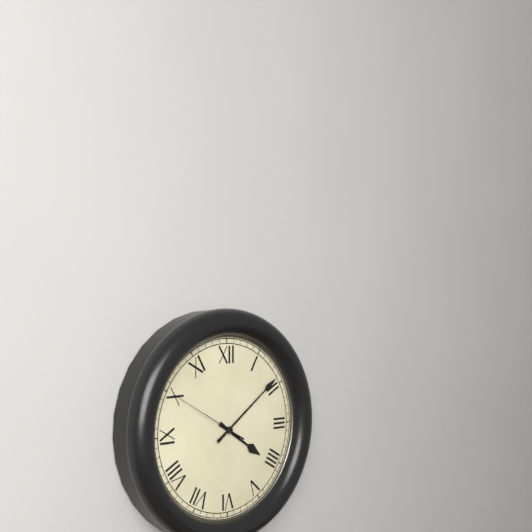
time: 4:09:50
